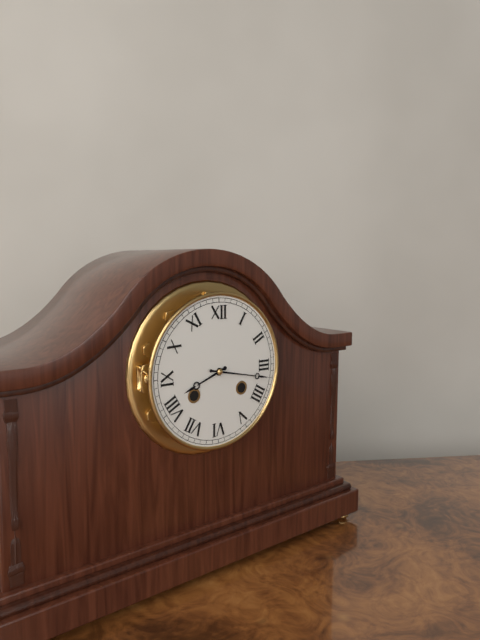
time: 8:17
